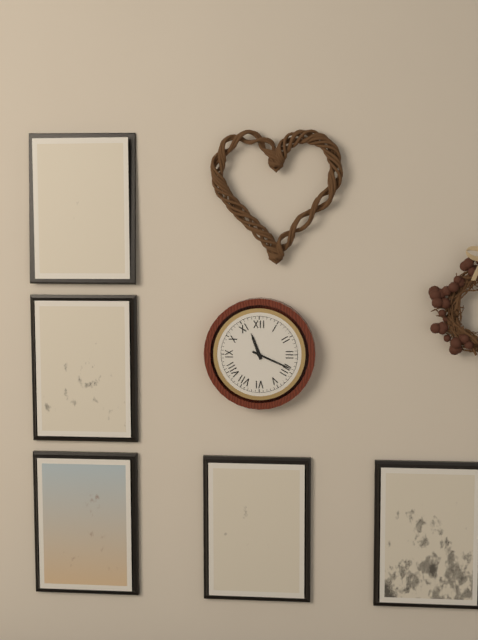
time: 11:19
